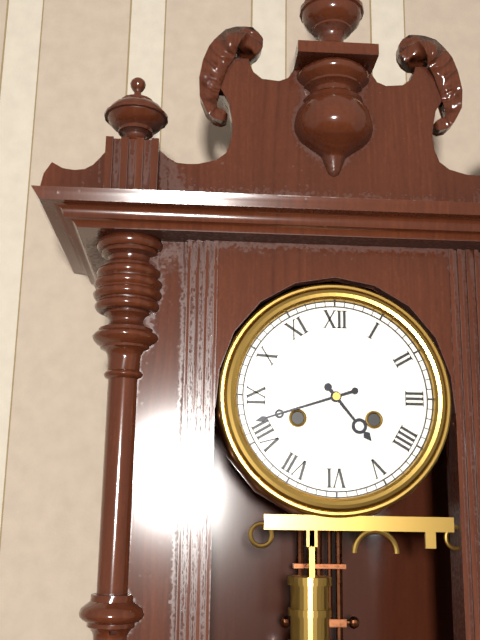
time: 4:42
